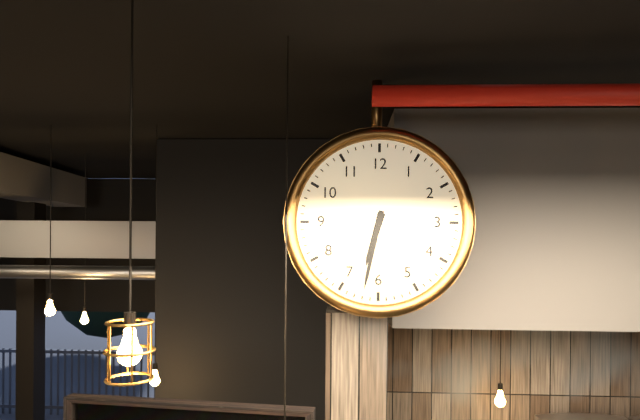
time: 6:32
